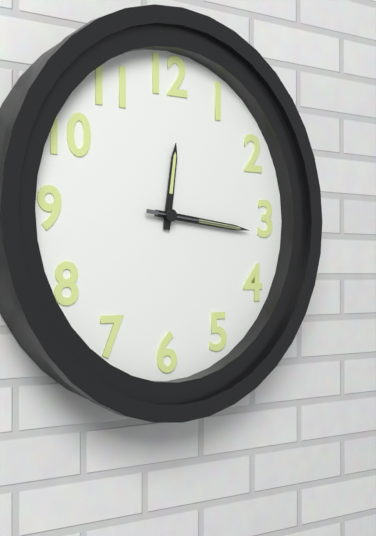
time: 12:16:16
